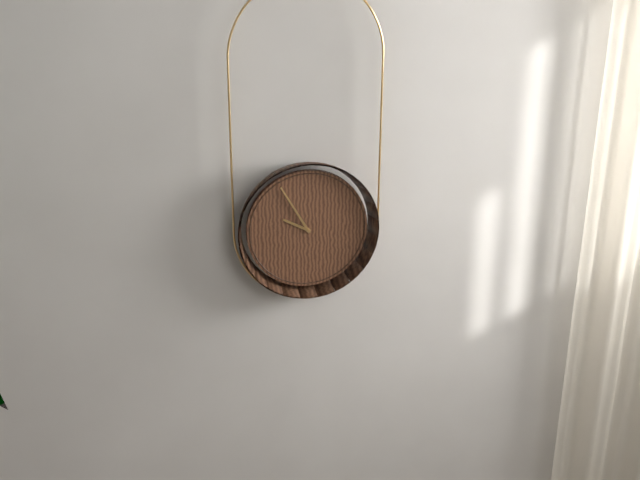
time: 9:55
